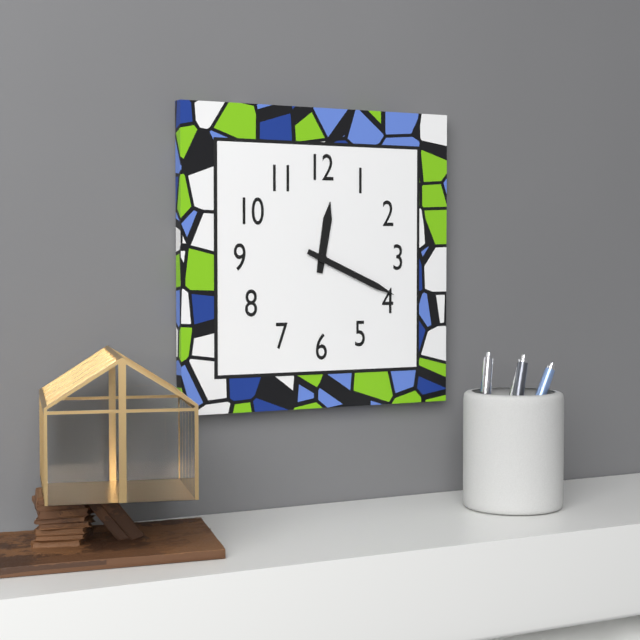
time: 12:19
